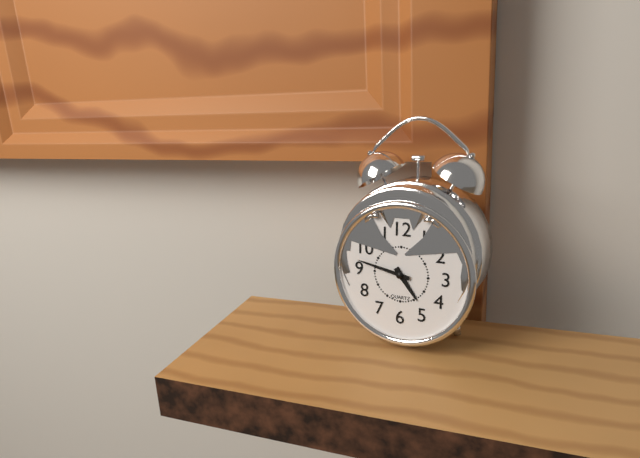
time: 4:47
